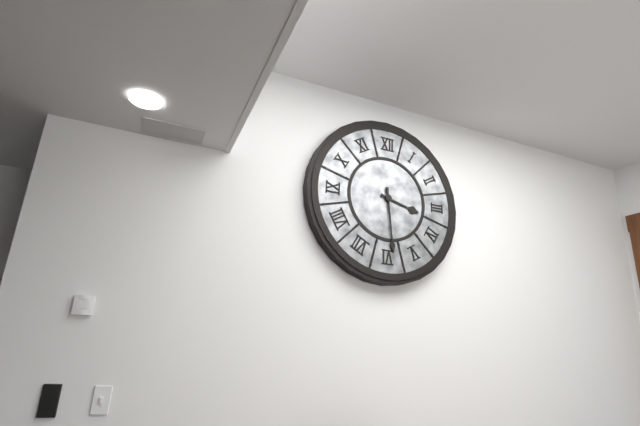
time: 3:29
